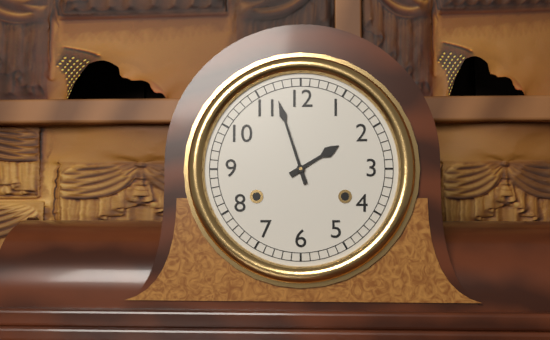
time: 1:57
